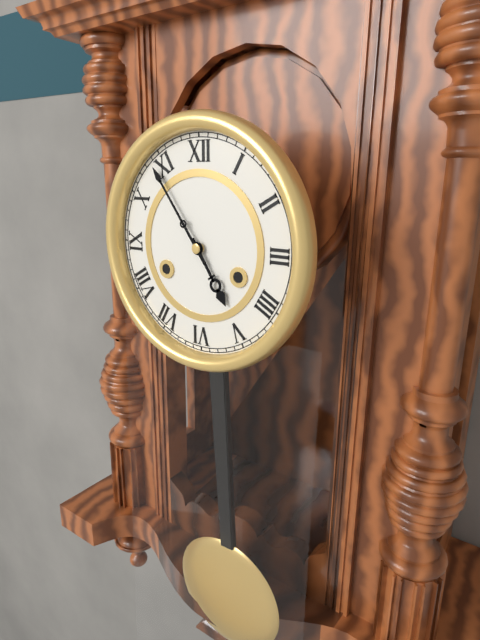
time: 4:54
